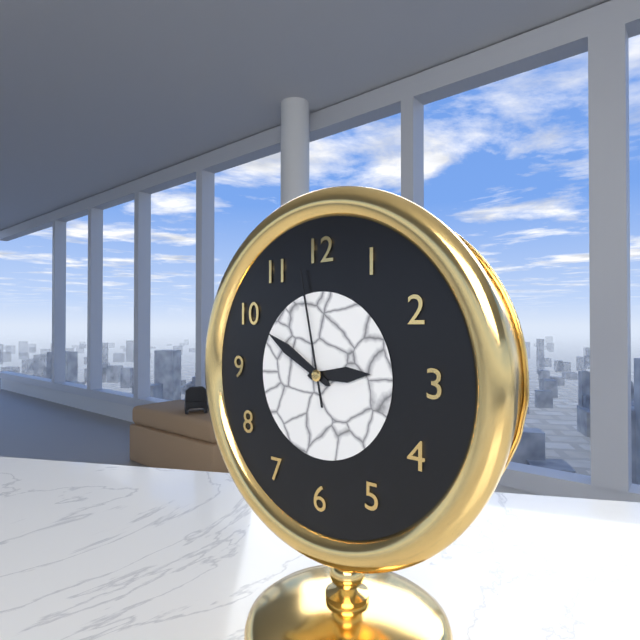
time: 2:50:58
